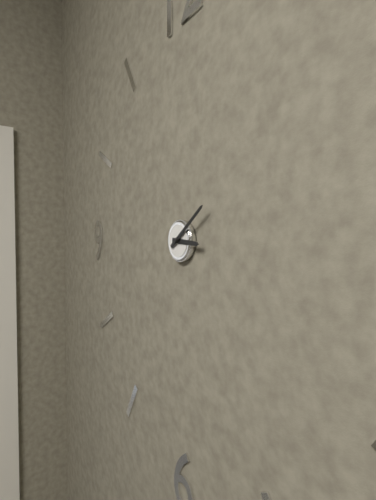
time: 3:09
